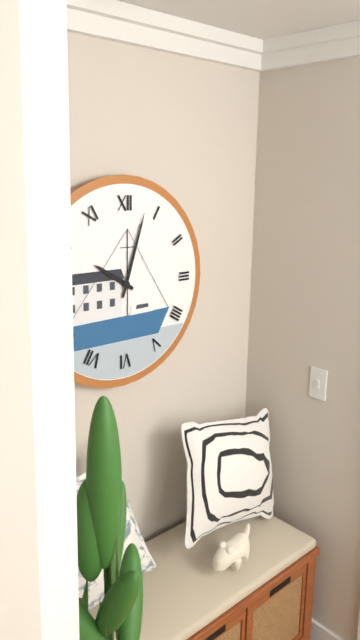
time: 10:03
